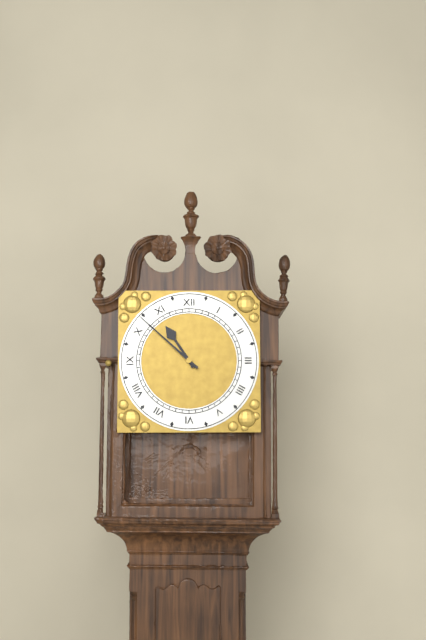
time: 10:52
